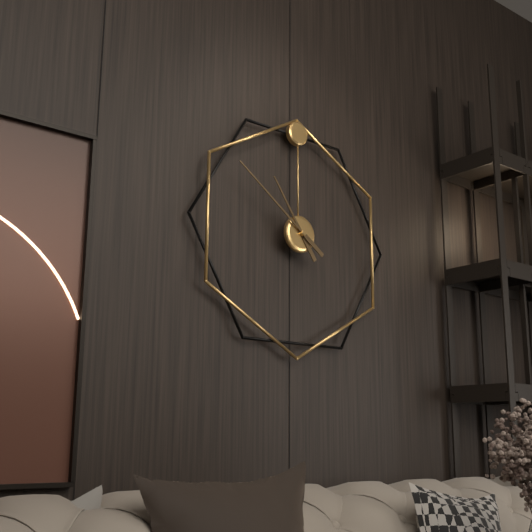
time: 10:51
